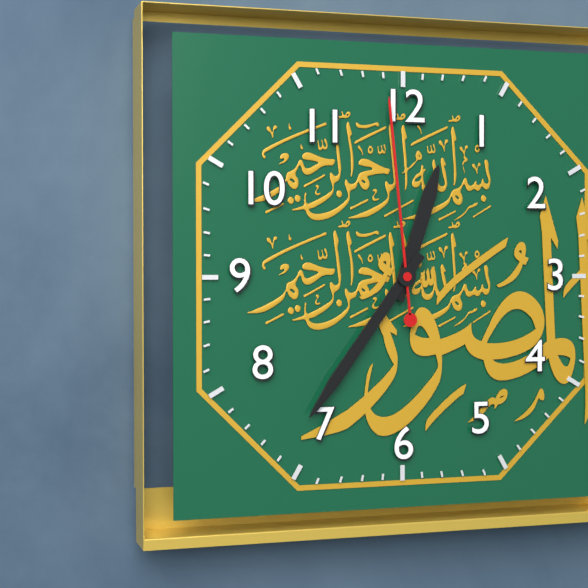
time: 12:36:59
